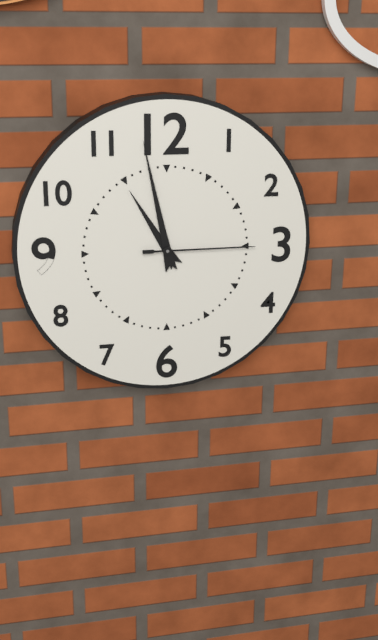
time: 10:58:15
